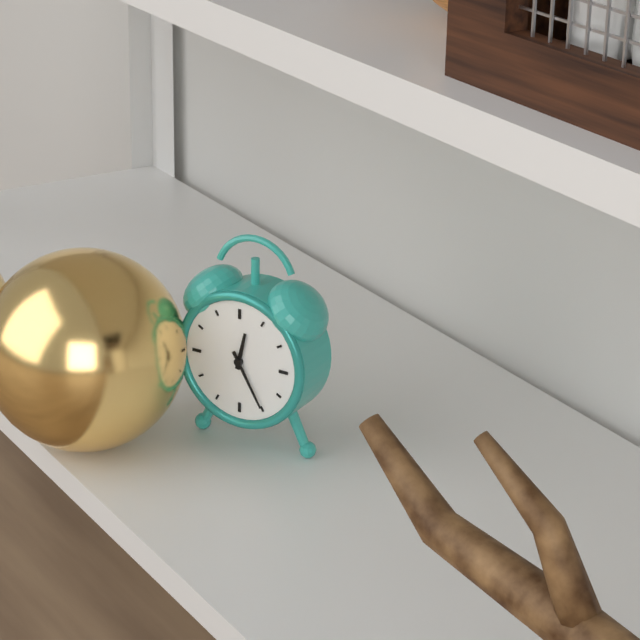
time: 12:25
